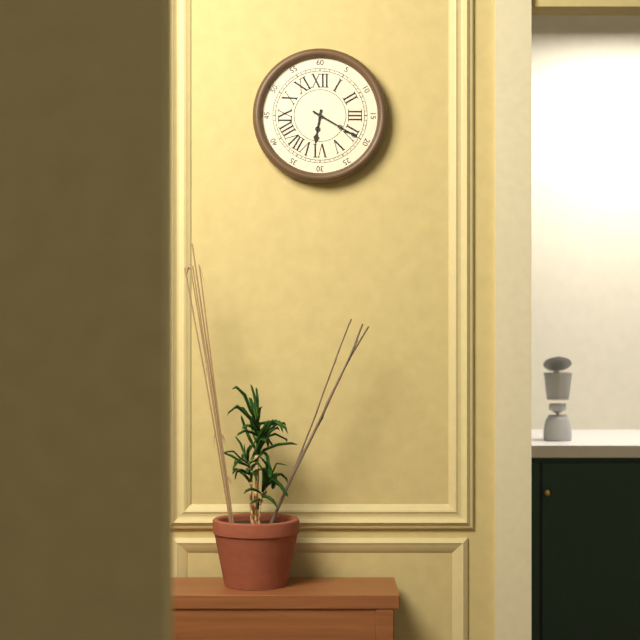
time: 6:20
